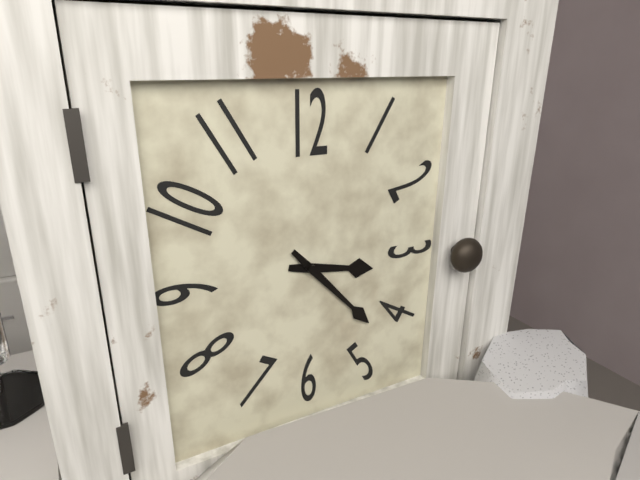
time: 3:23
